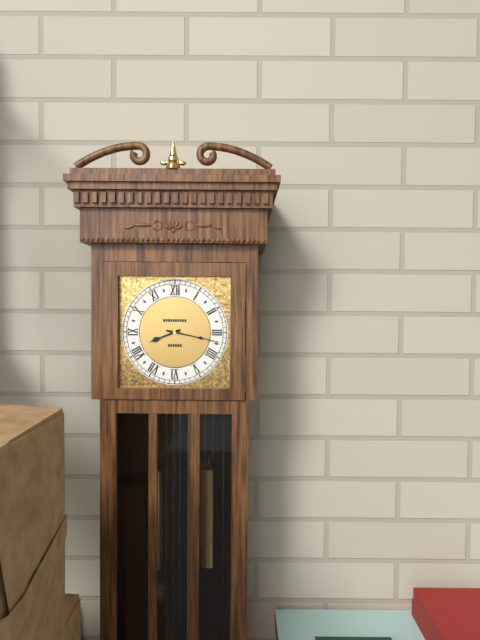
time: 8:17
